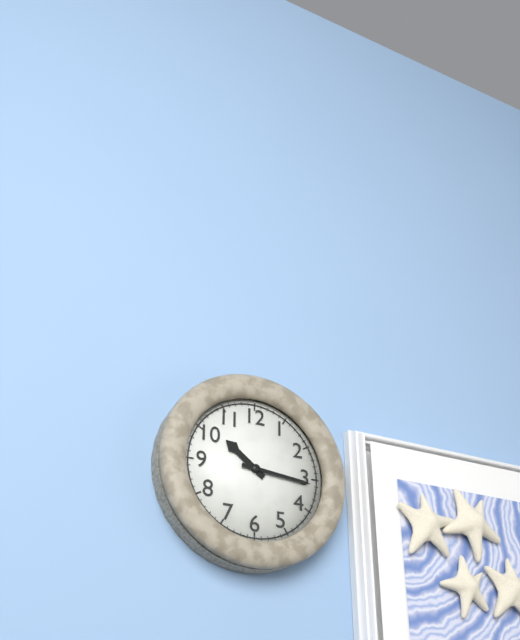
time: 10:16
